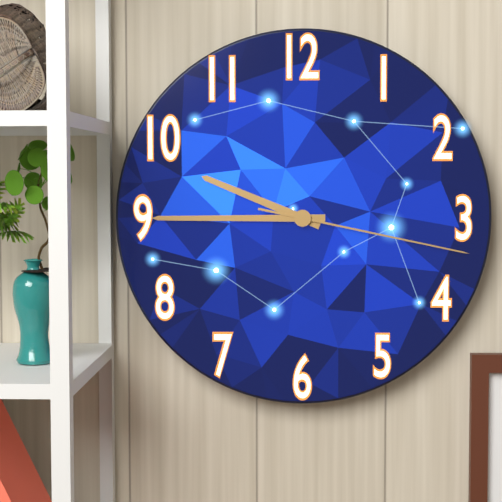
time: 9:45:17
